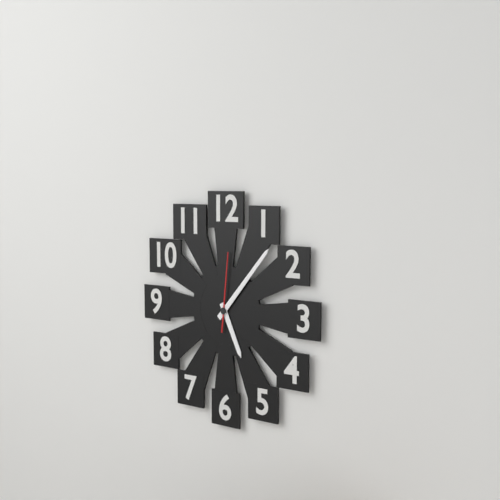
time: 5:07:01
